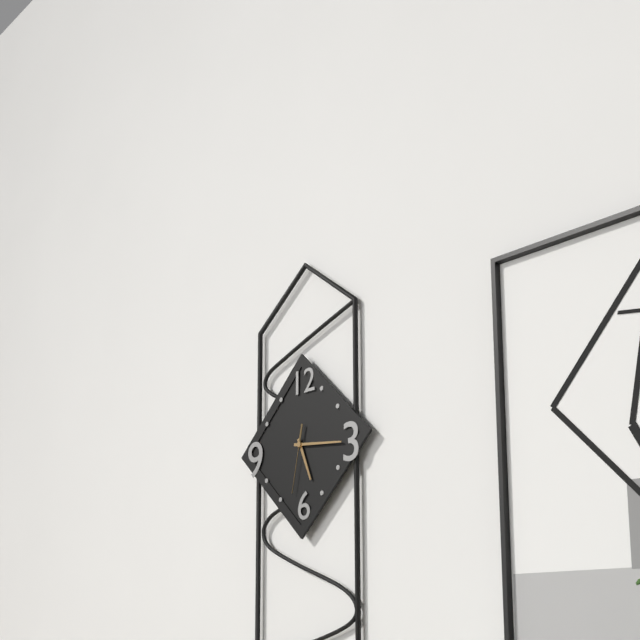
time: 5:16:32
